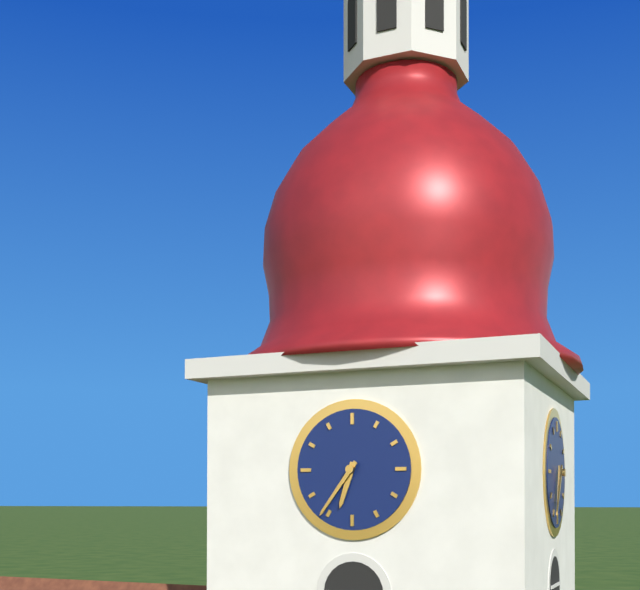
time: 6:36
